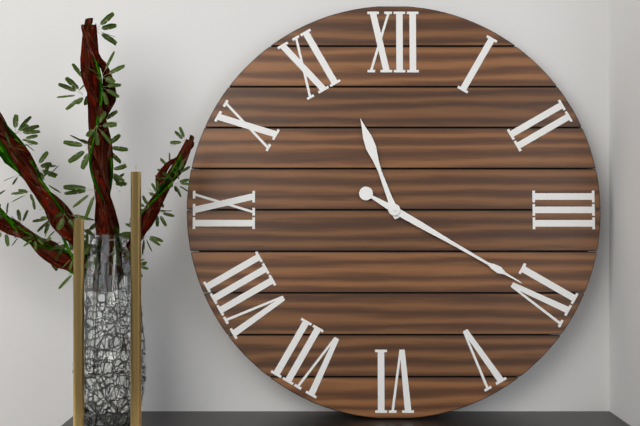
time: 11:20
